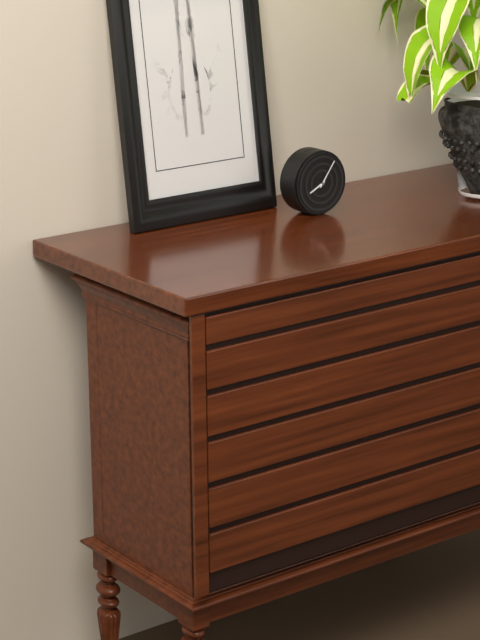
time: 8:06
